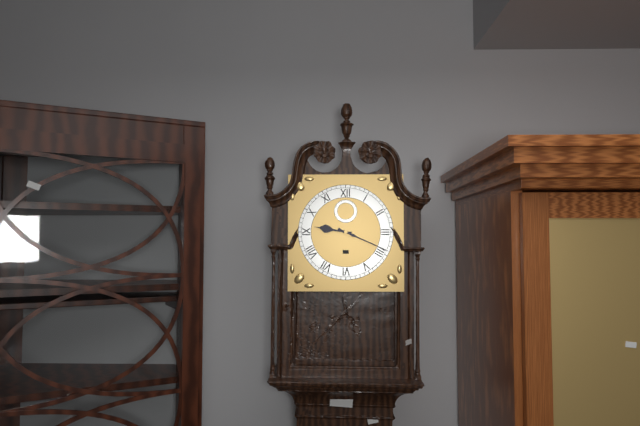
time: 9:19
